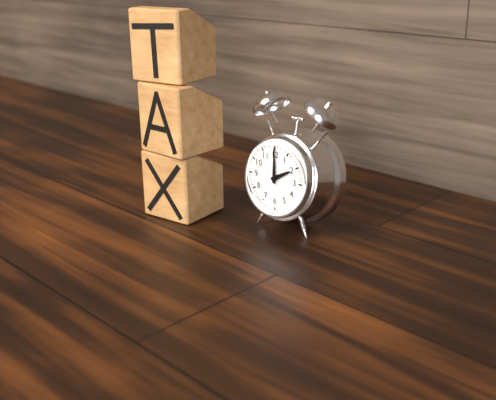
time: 2:00
